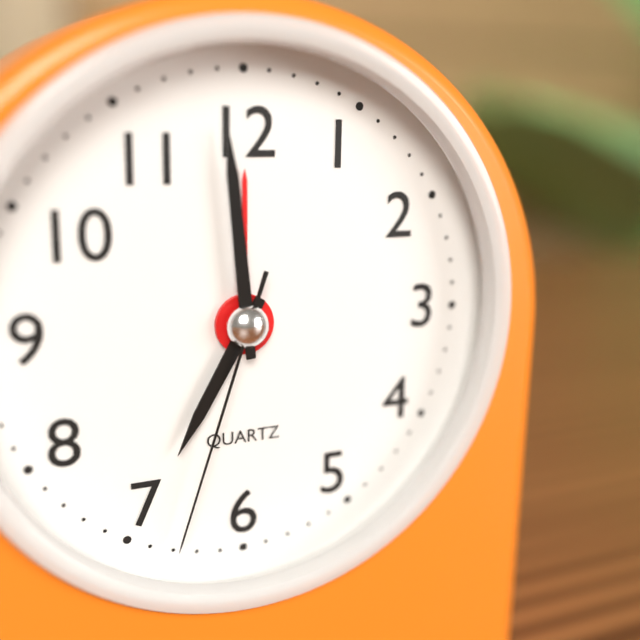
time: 6:59:33
